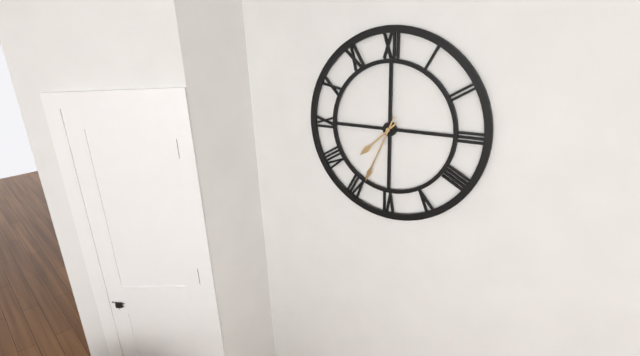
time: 7:34
